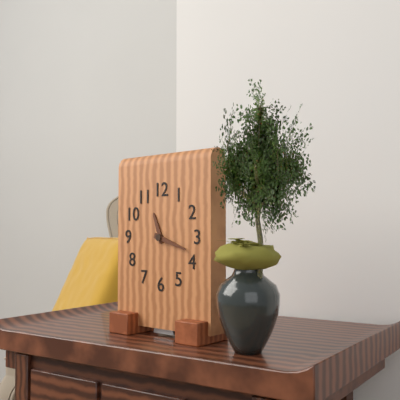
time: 11:18
